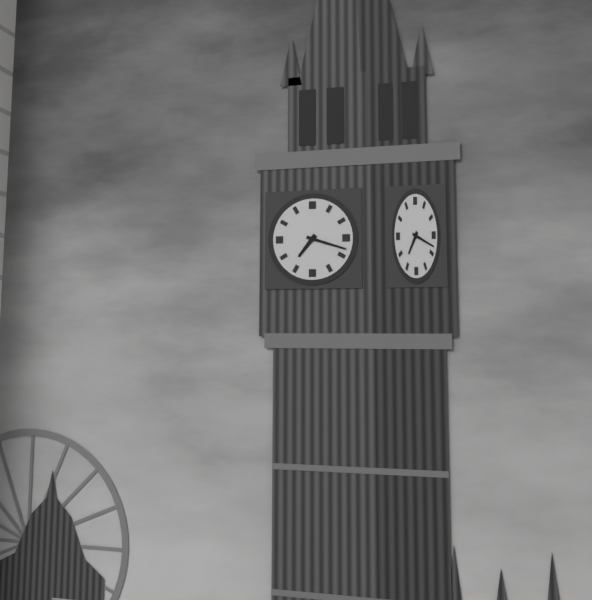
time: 7:18
